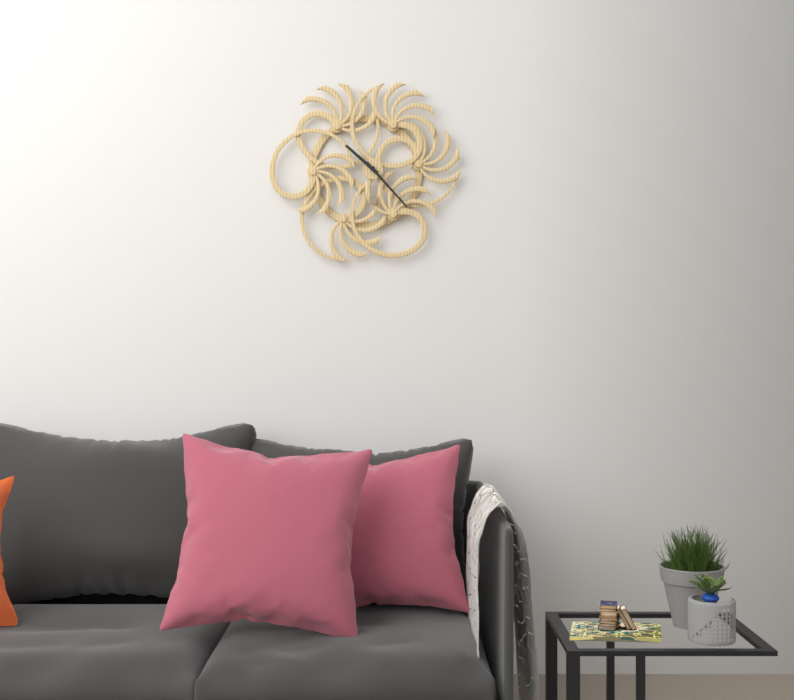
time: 10:23
